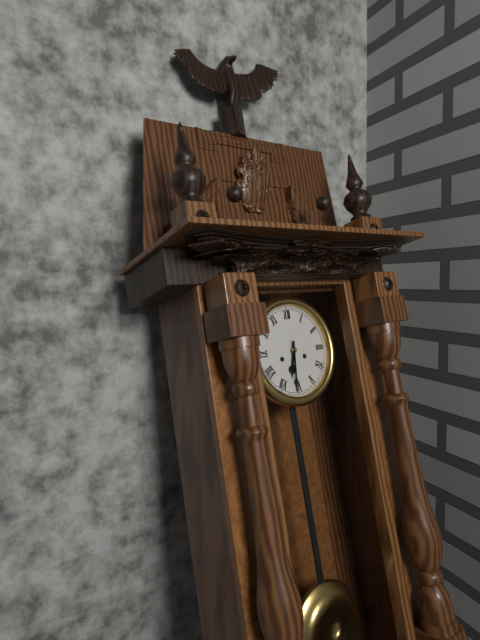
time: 6:31
